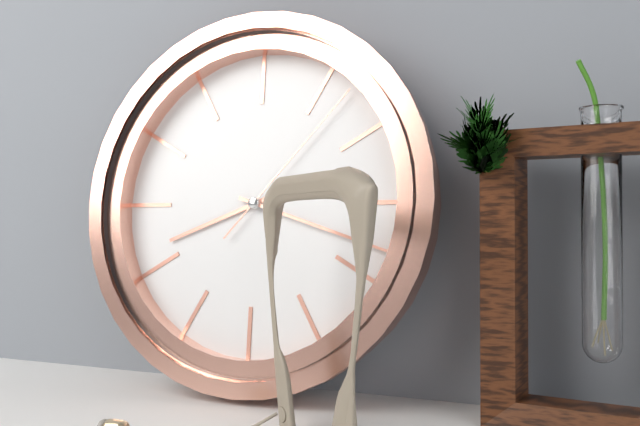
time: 8:18:07
